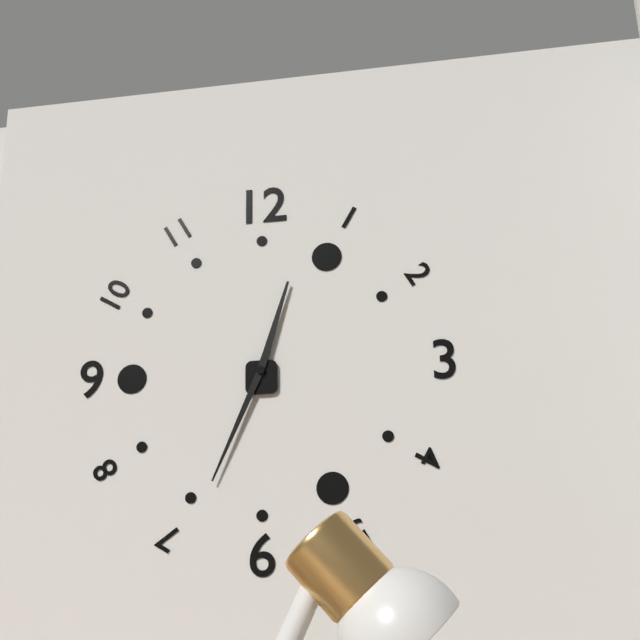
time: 12:34
